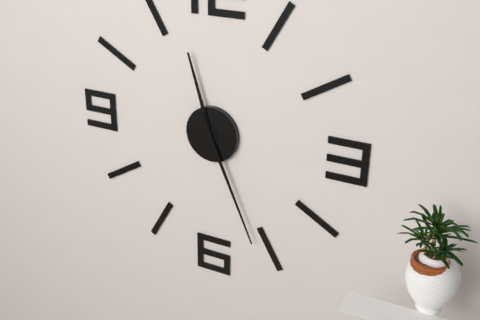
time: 11:26
